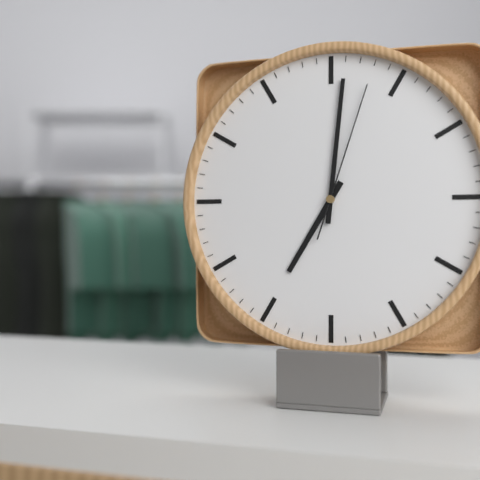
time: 7:01:03
